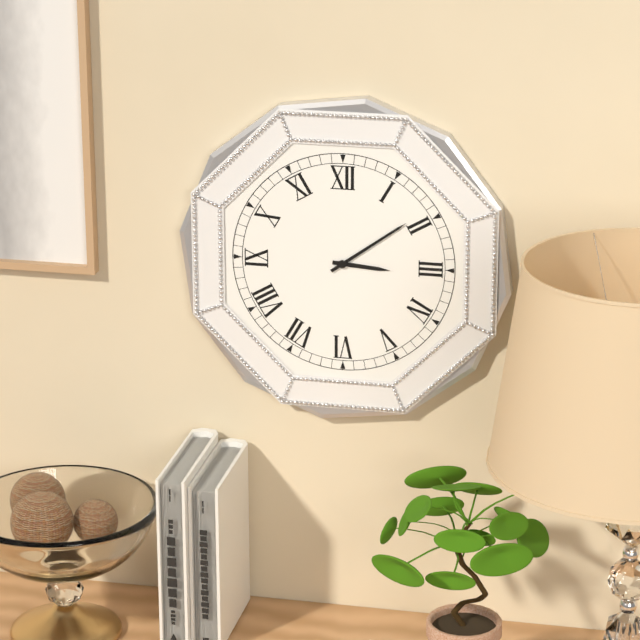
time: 3:09
